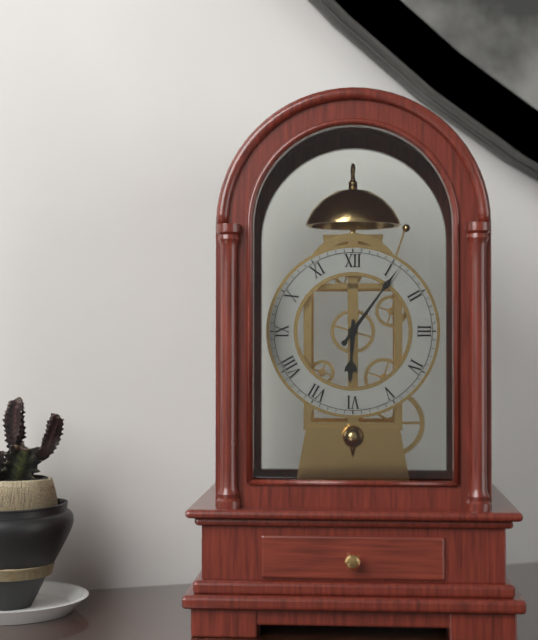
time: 6:06
